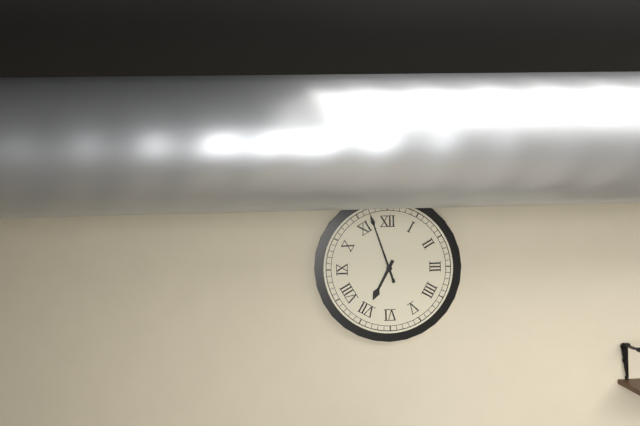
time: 6:57
